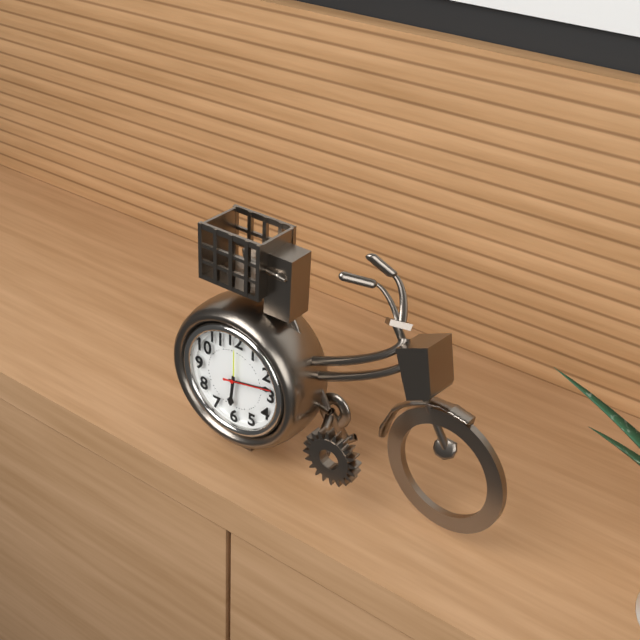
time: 6:13:13
